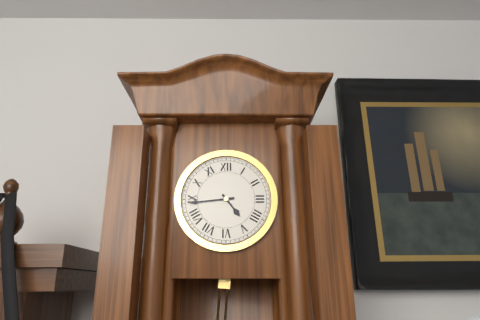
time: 4:44
